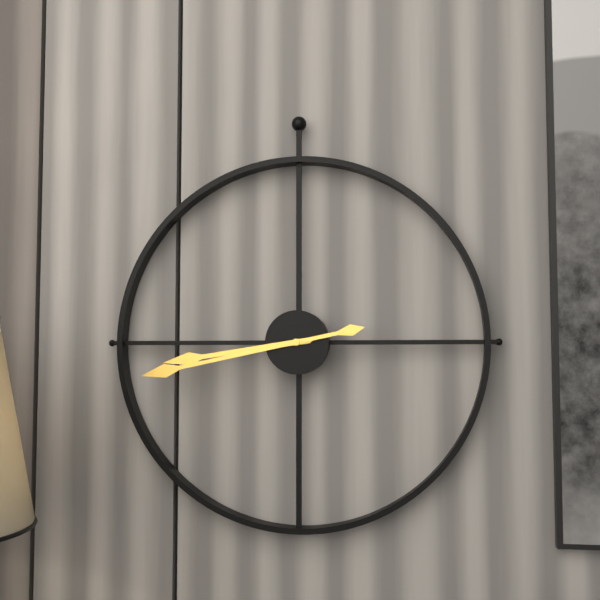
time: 8:43
